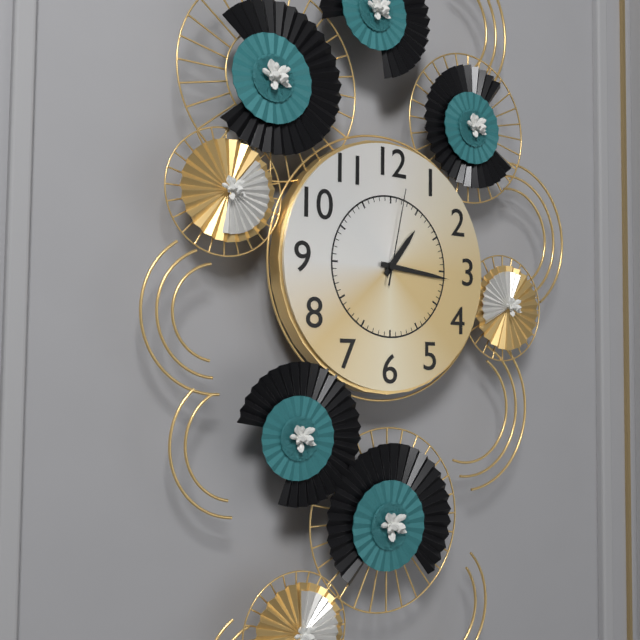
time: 1:16:02
